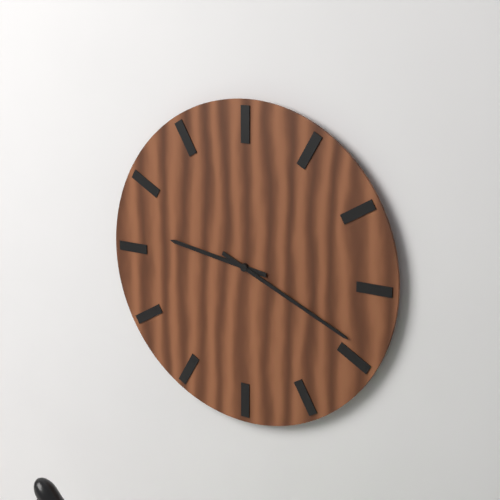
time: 9:19
